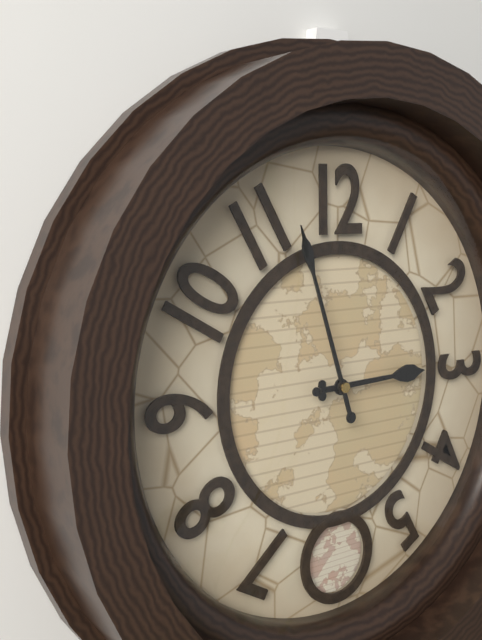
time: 2:57
